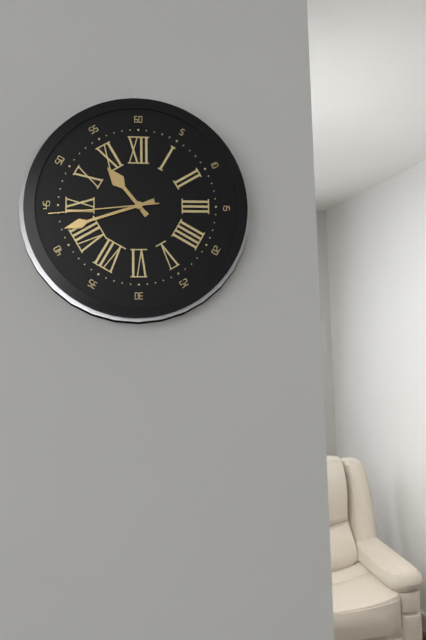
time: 10:42:44
